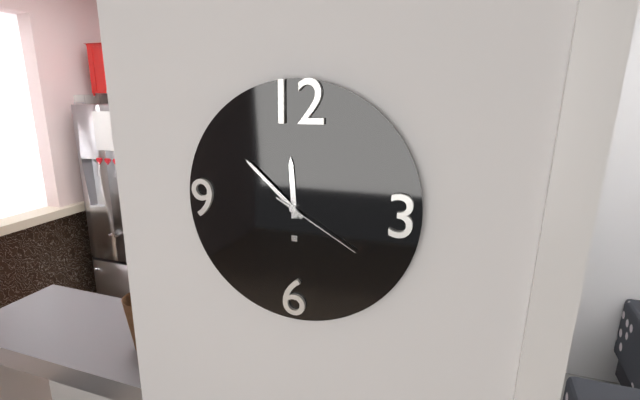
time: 11:52:20
